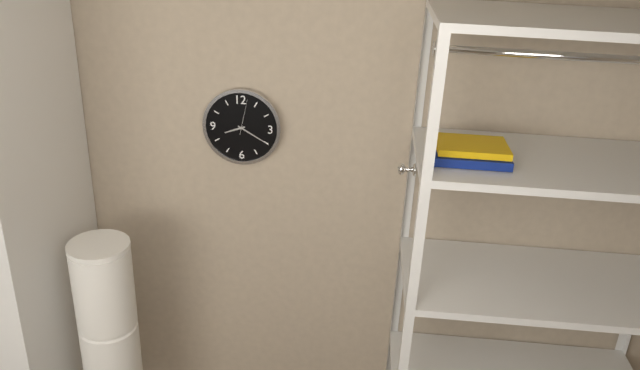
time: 8:20
